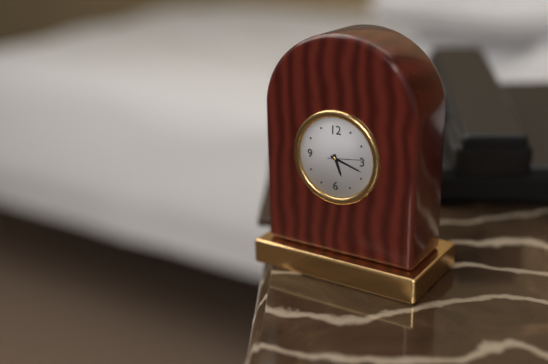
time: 5:18
